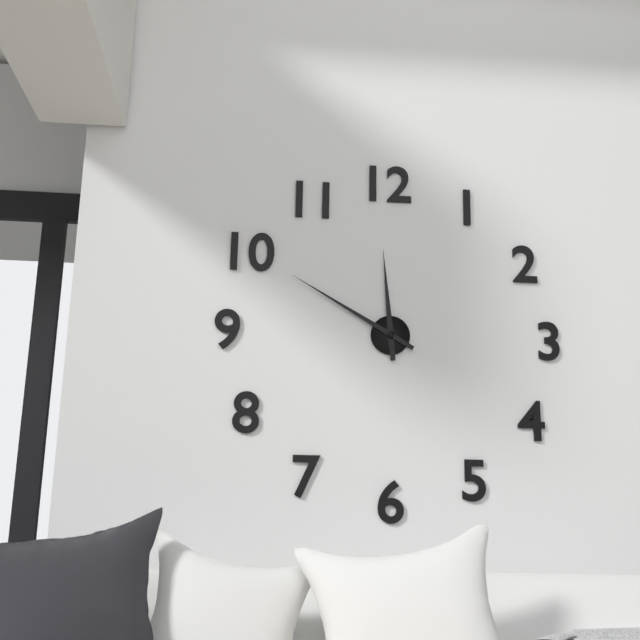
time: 11:50
